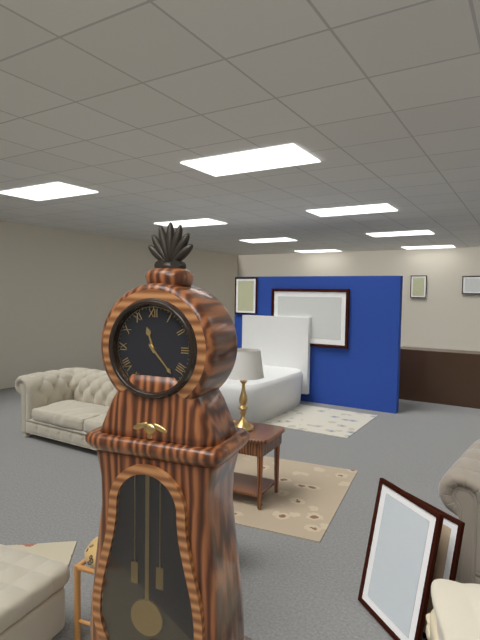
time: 11:23
